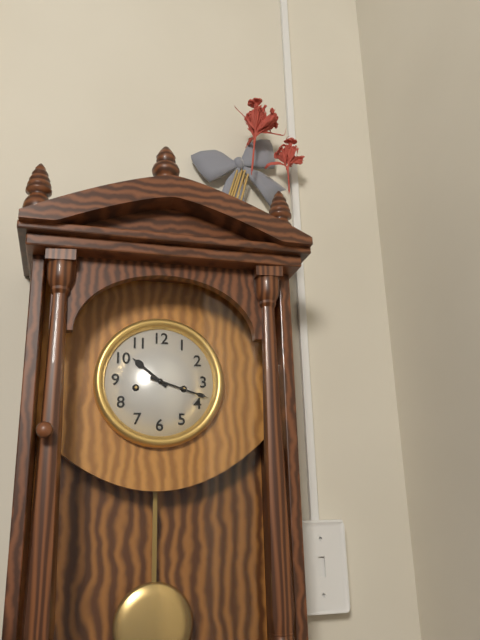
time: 10:18
